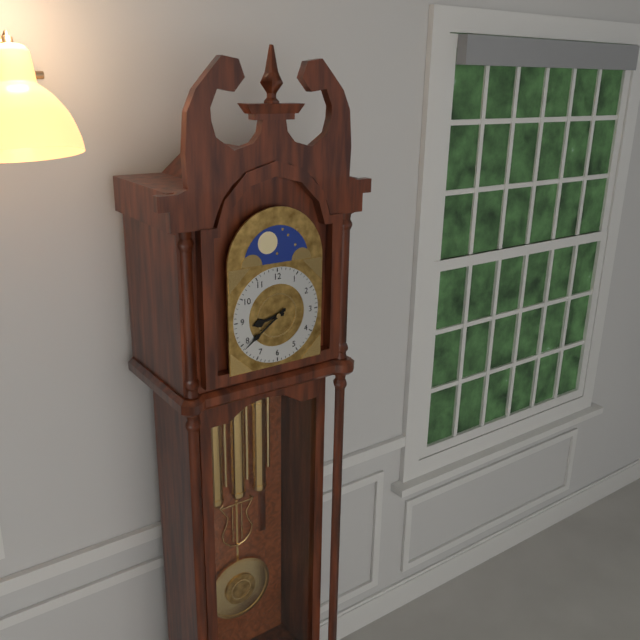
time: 8:39
